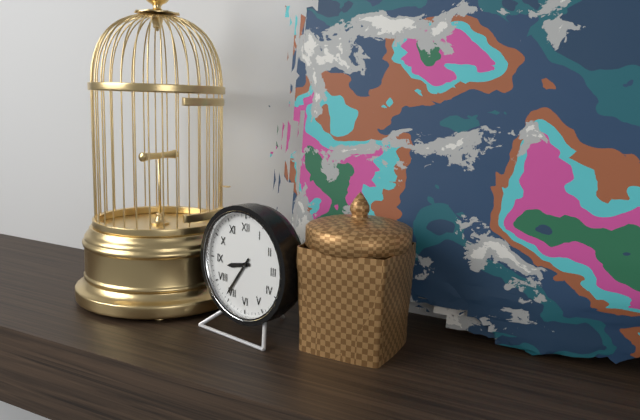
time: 8:36
